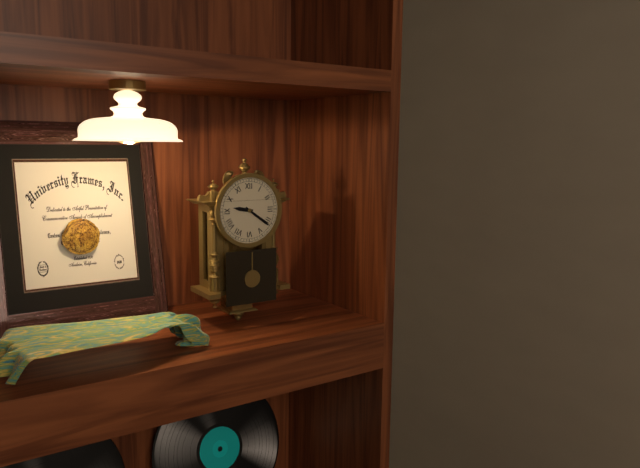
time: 9:21
